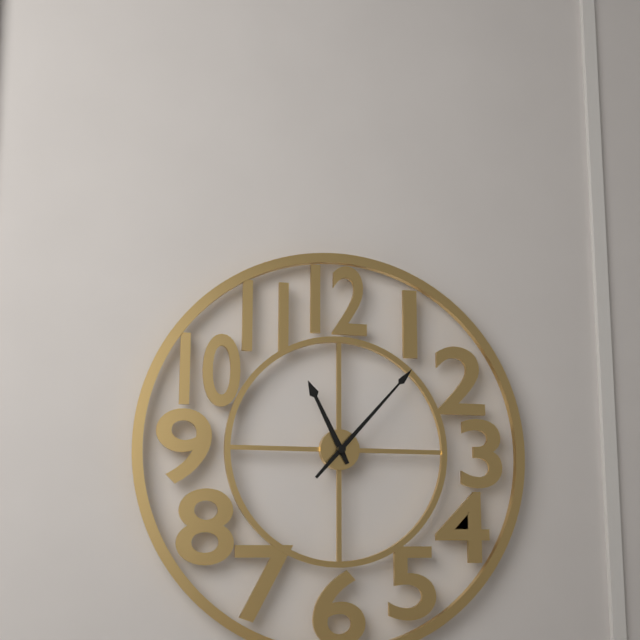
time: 11:07
